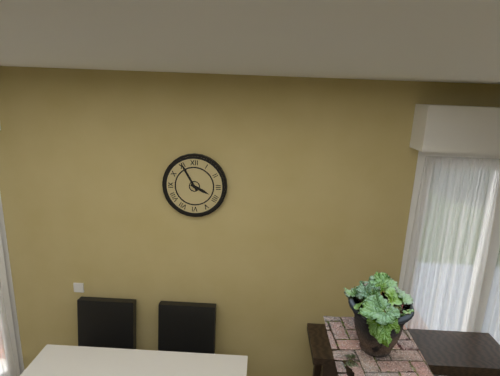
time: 3:55
